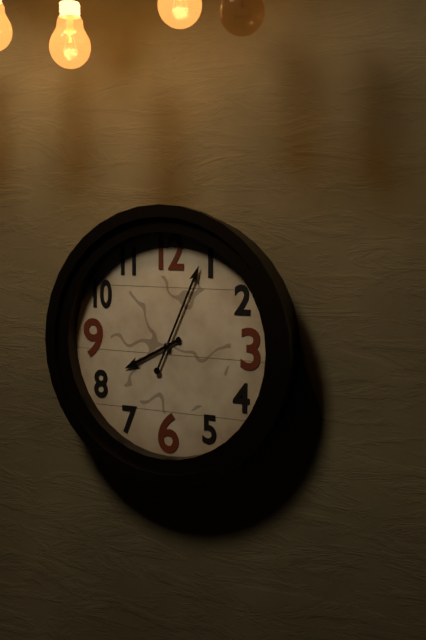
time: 8:04
